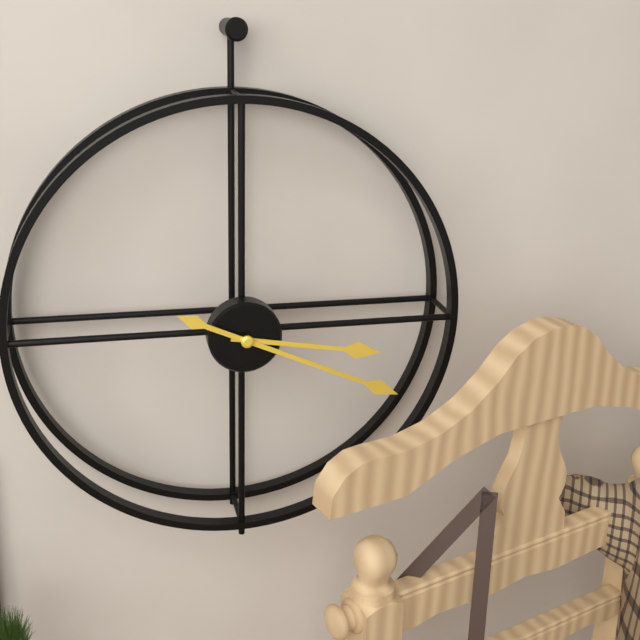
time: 3:19
